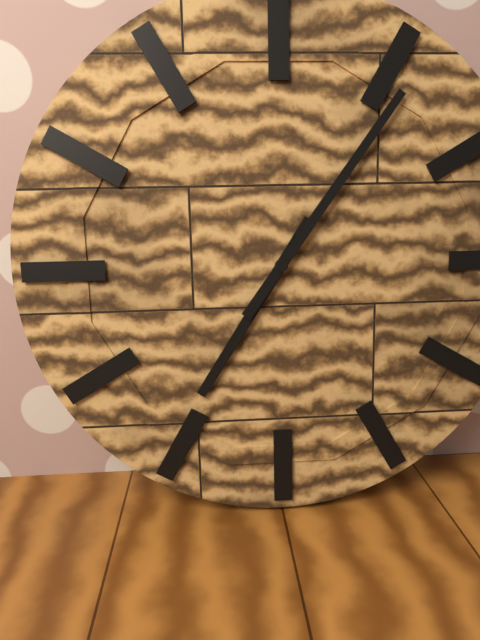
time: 7:06
